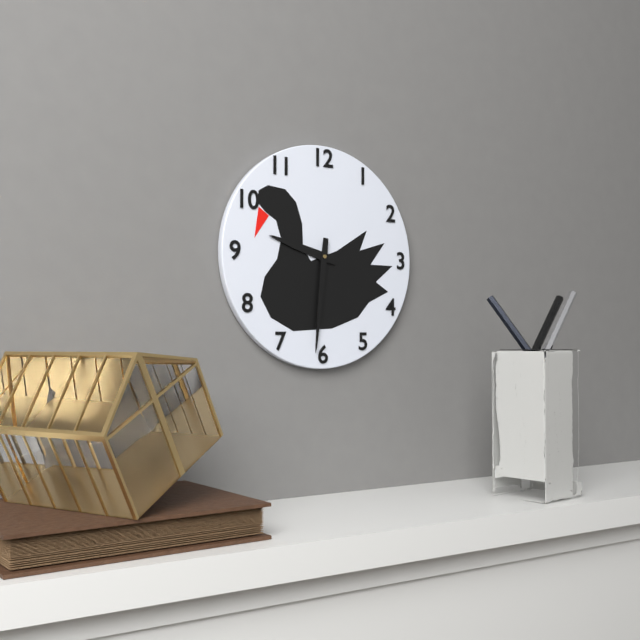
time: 9:31
